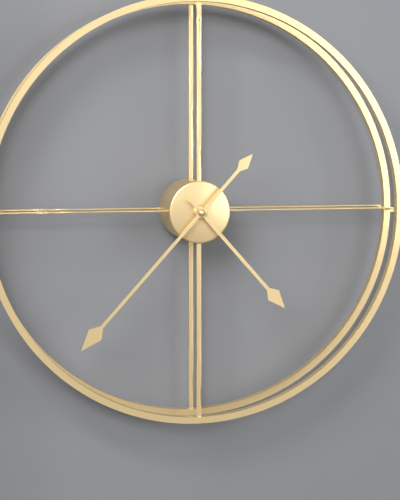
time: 4:37
